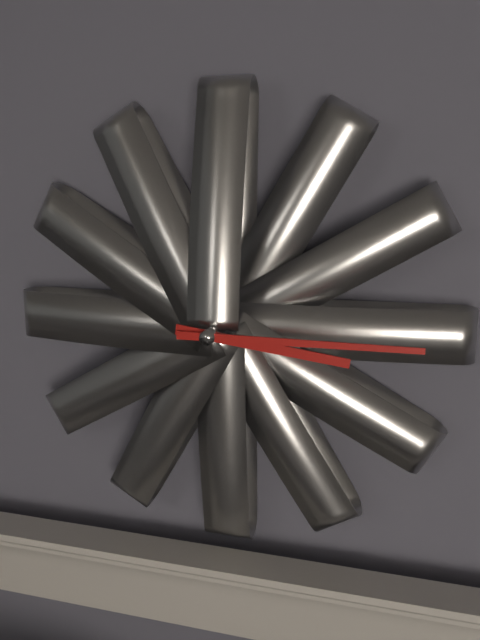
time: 3:15
